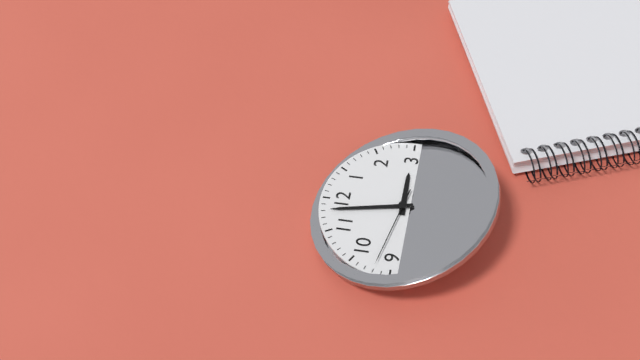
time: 2:58:47
